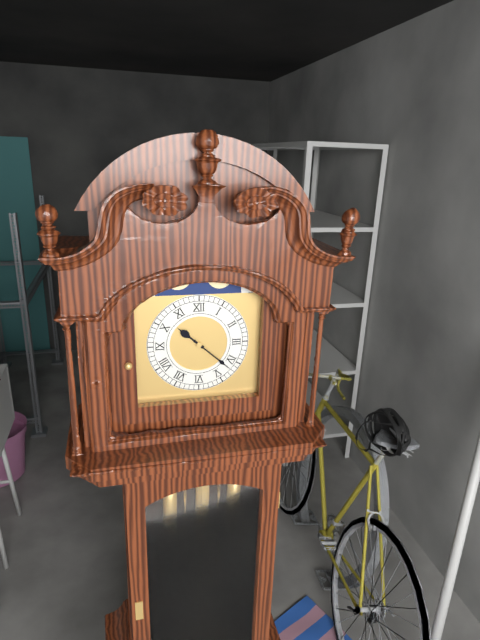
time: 10:22
